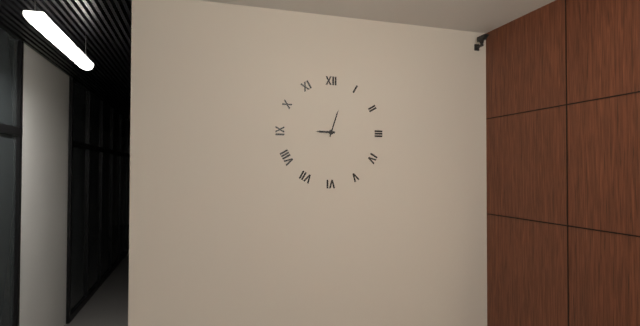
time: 9:03
